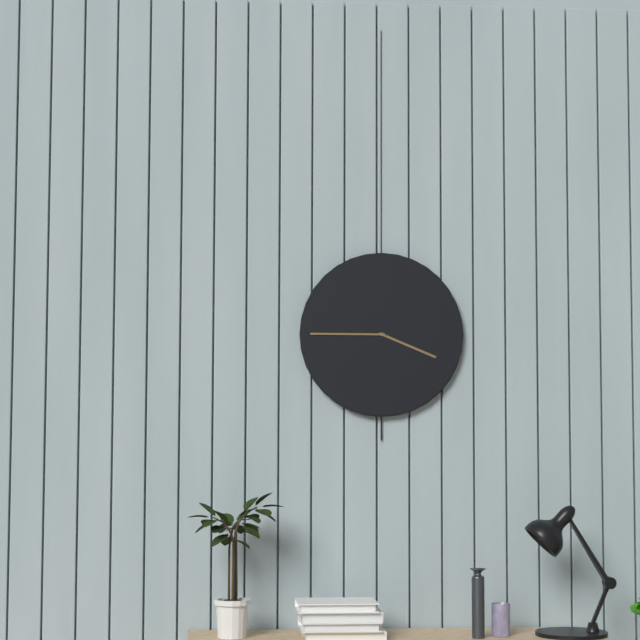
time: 3:45
